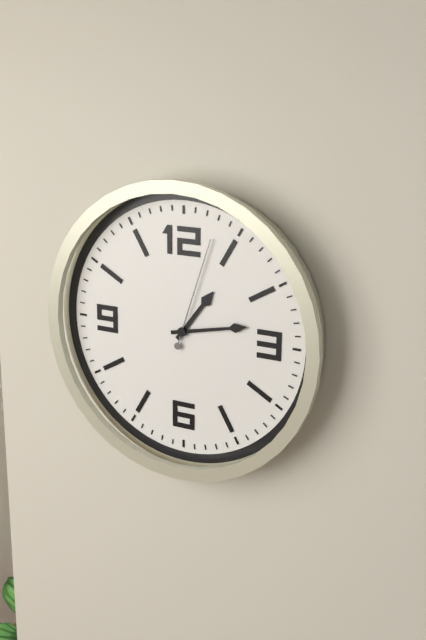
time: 1:13:03
